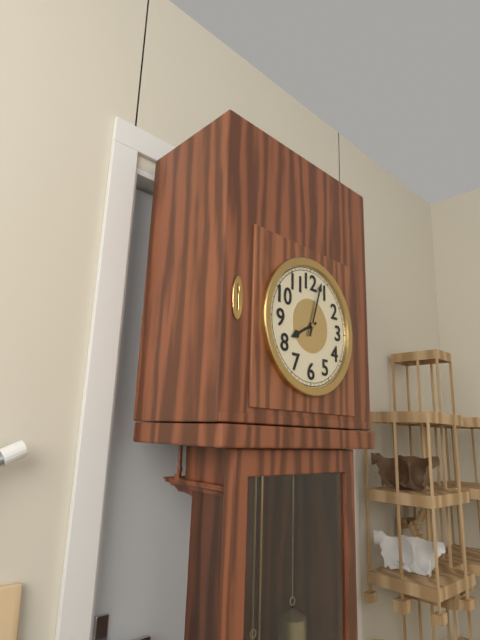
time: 8:03
